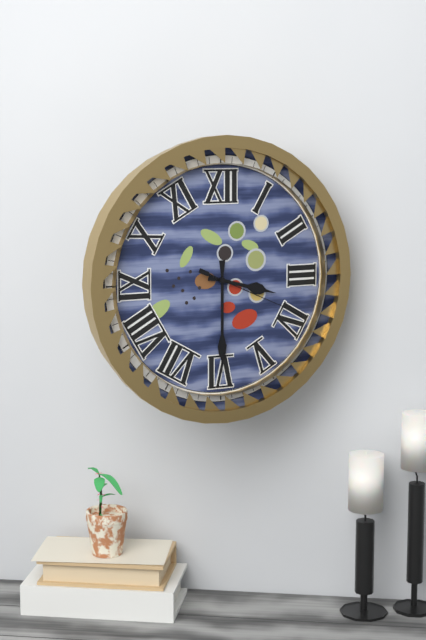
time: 3:30:19
